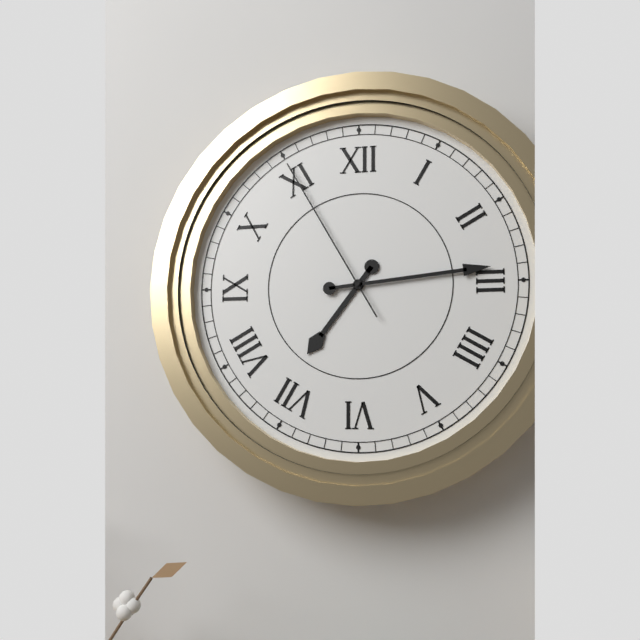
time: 7:14:55
